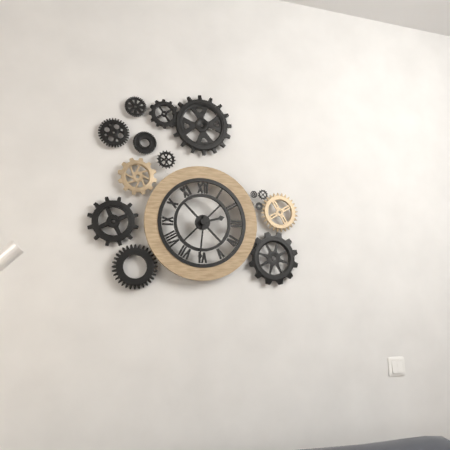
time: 2:31
